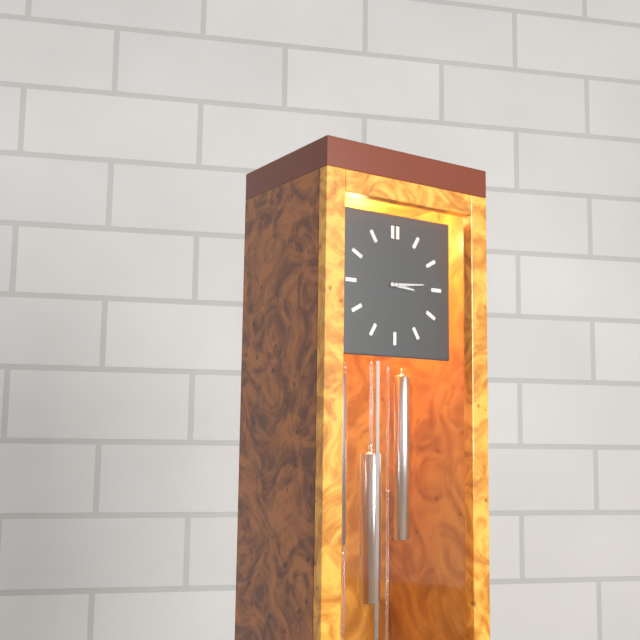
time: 3:14
